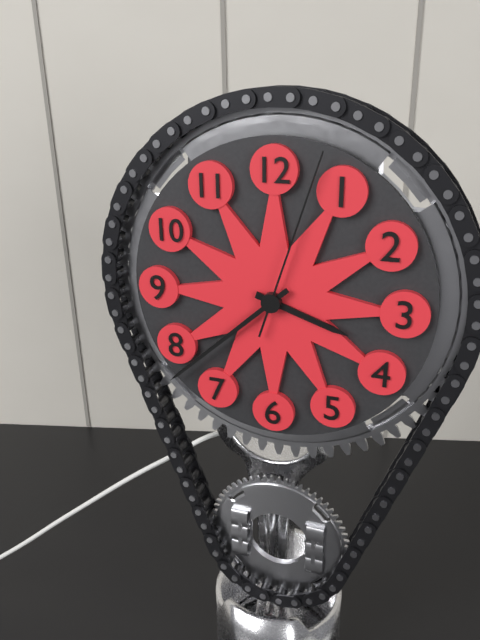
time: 3:38:03
